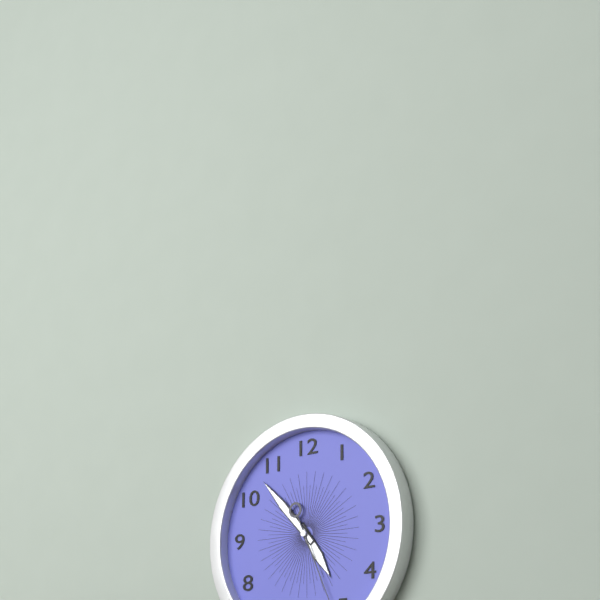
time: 4:53
